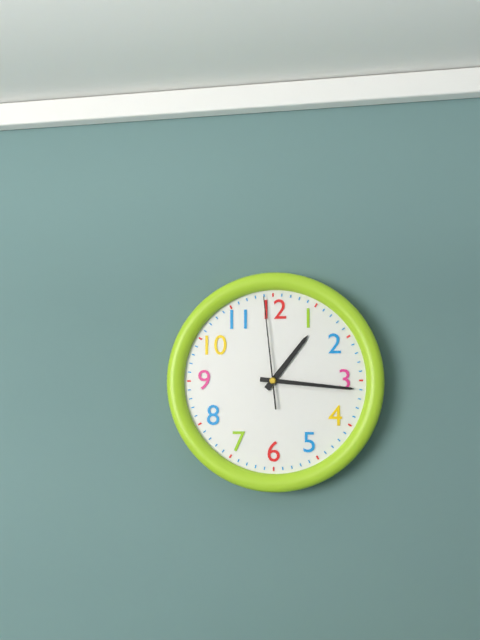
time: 1:16:59
